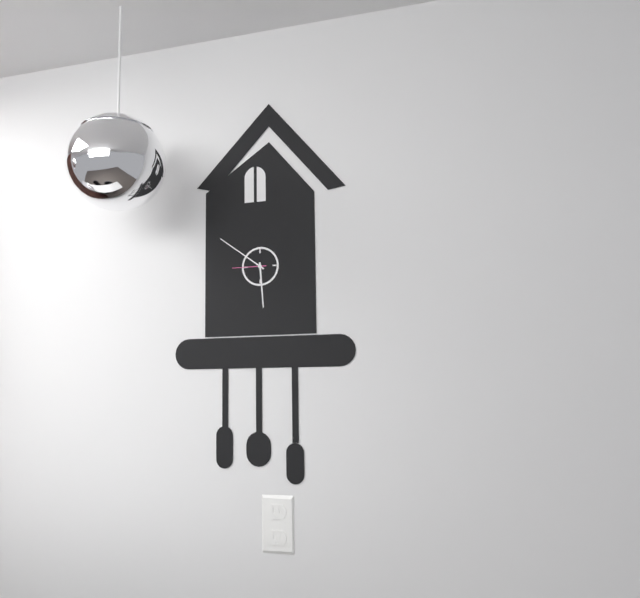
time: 5:51
